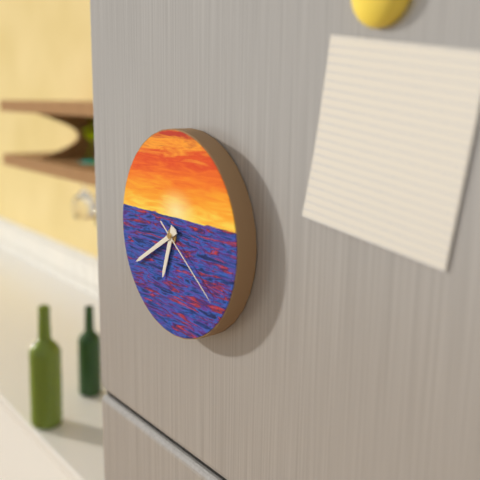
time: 6:40:21
